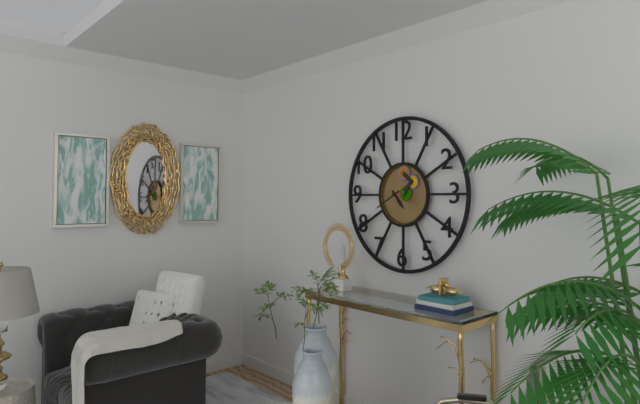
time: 4:40
